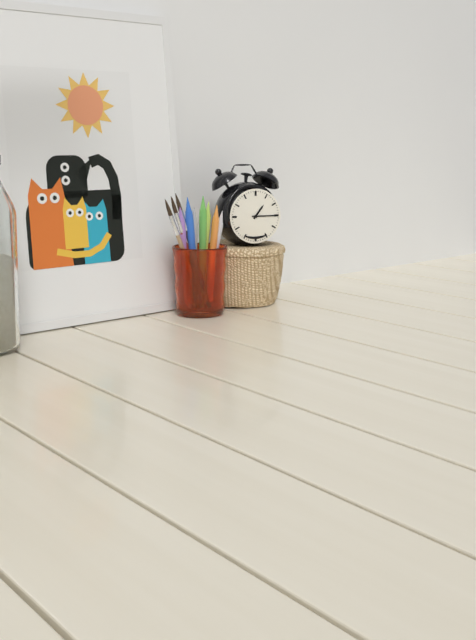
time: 1:15
